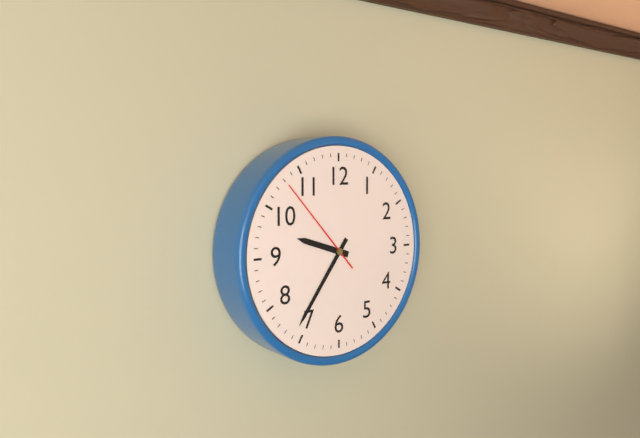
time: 9:36:53
